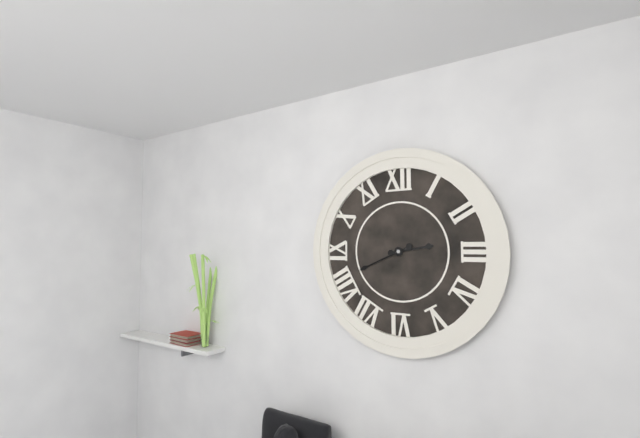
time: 2:41
